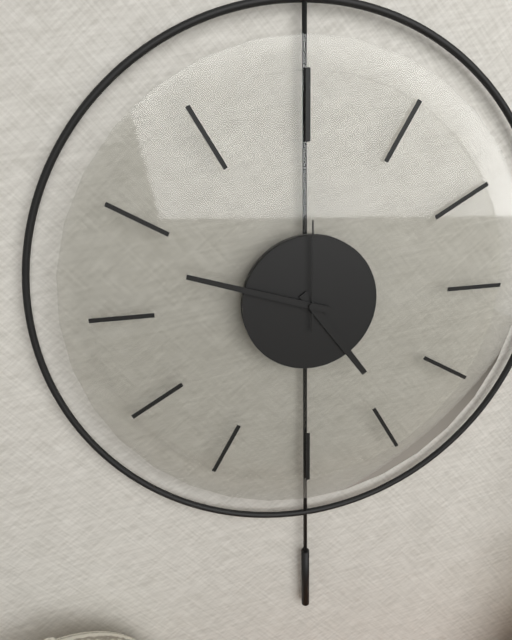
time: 4:48:00
